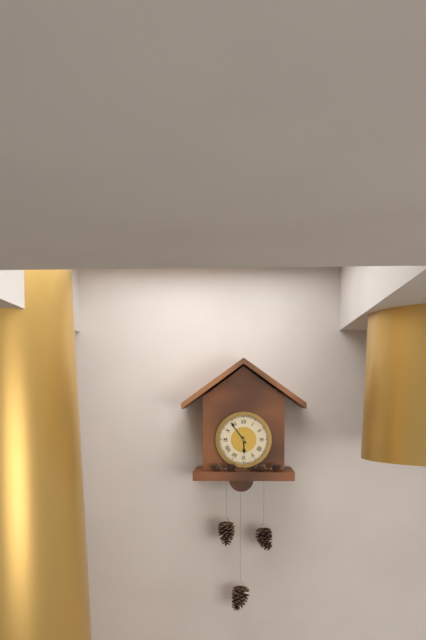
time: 5:54
